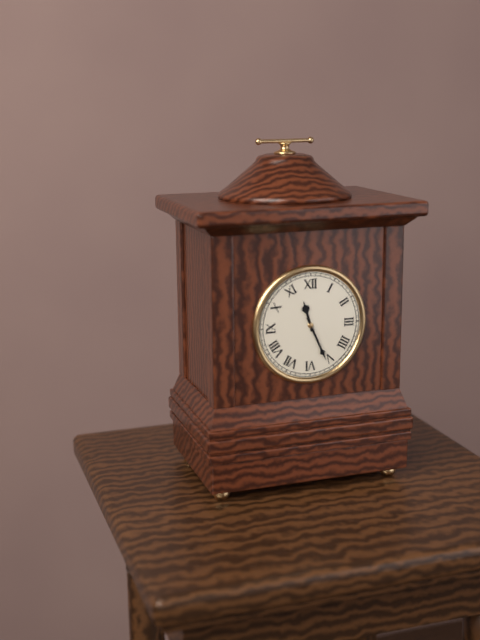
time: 11:26
